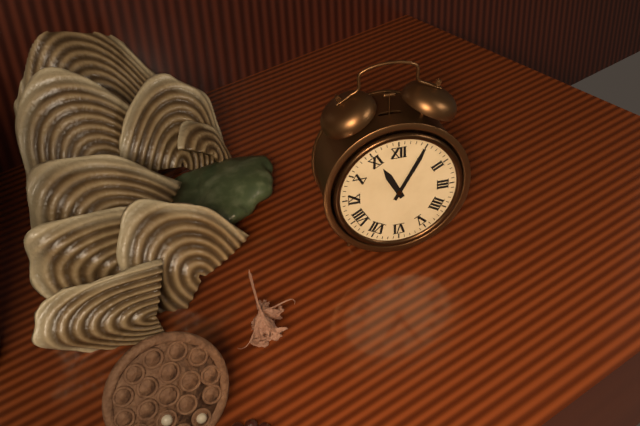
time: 11:05
